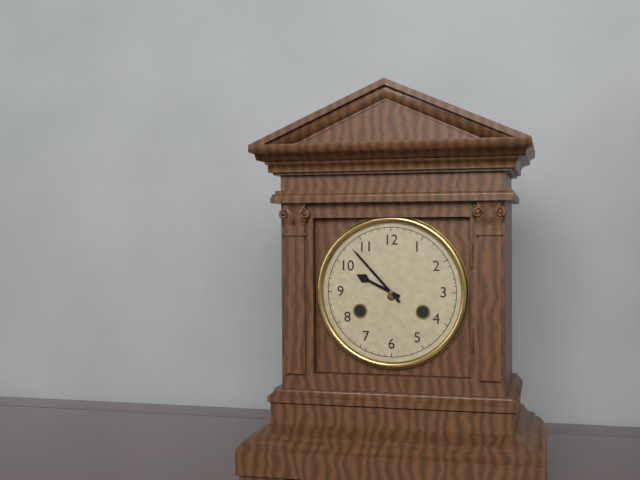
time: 9:53
